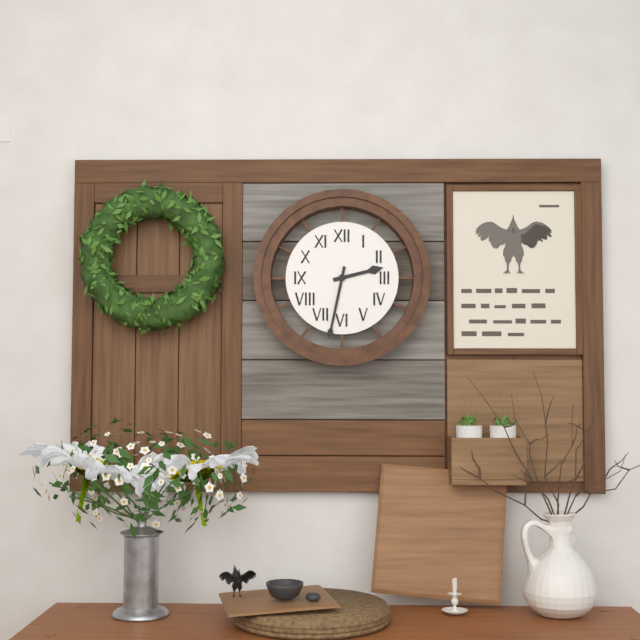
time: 2:32
